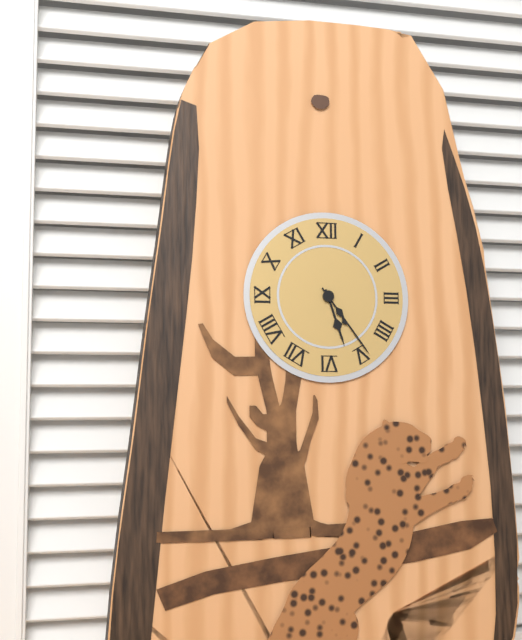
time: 5:24
